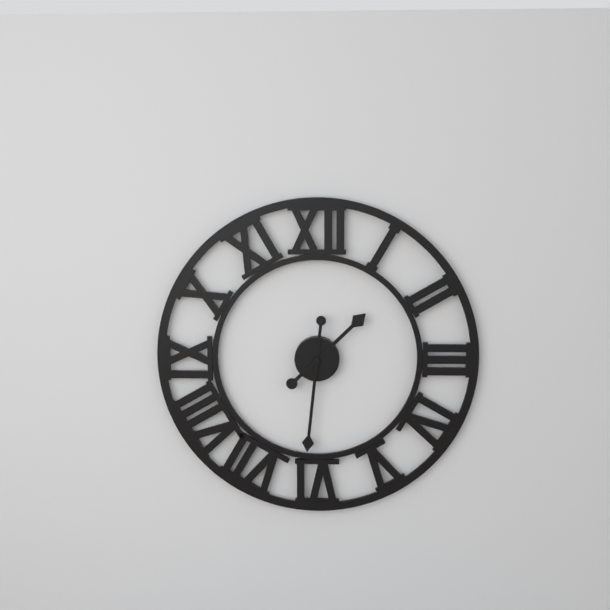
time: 1:31
